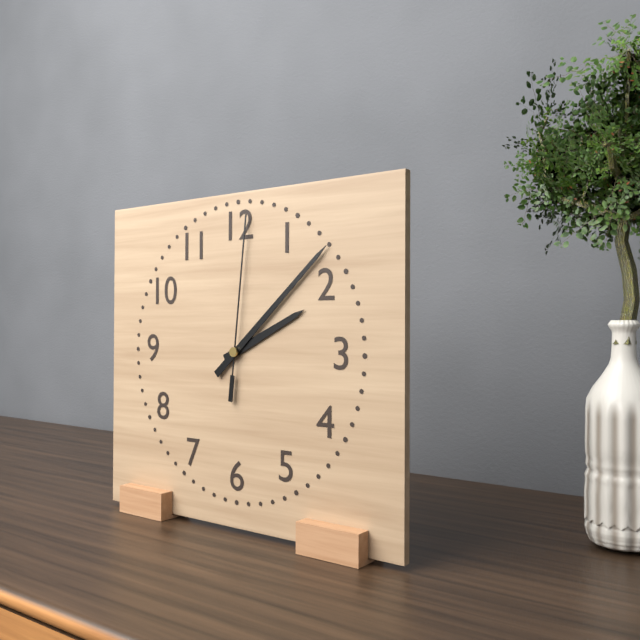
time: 2:08:01
